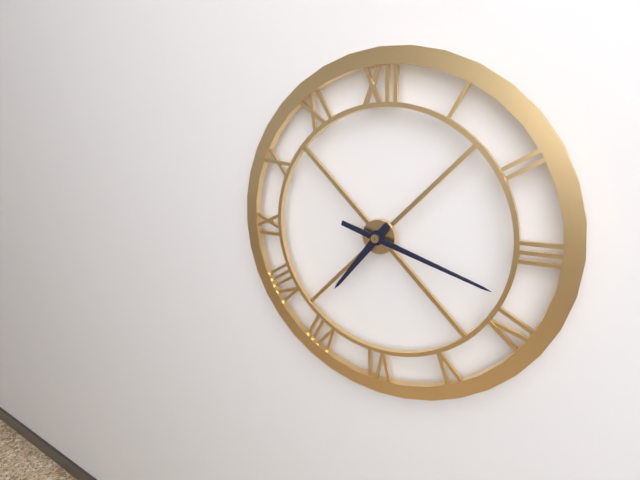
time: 7:18
